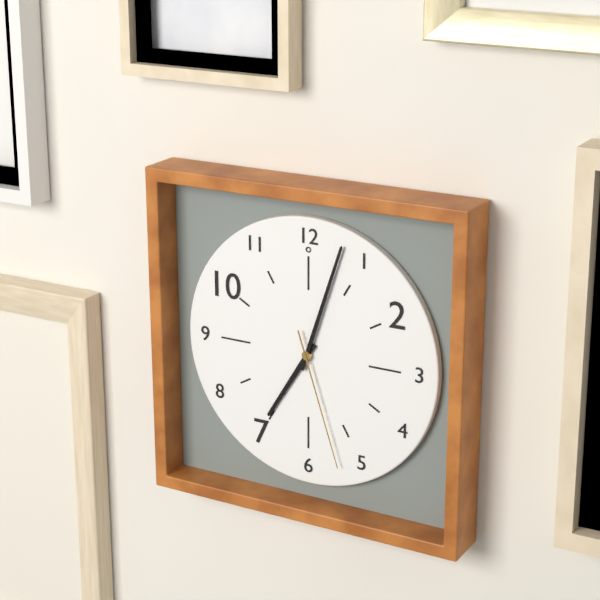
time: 7:03:27
